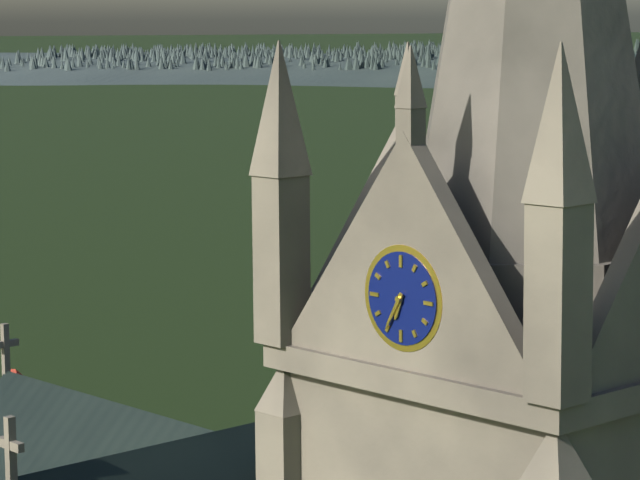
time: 6:35
